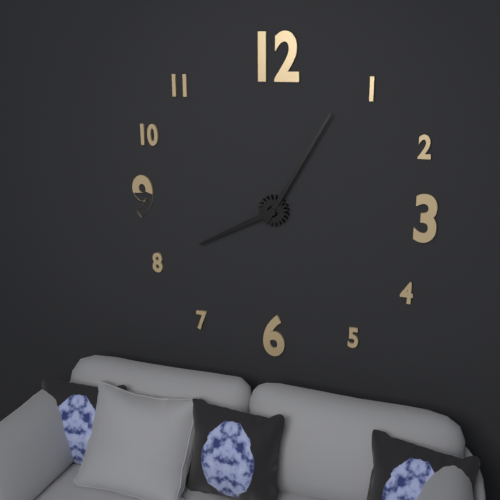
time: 8:05
